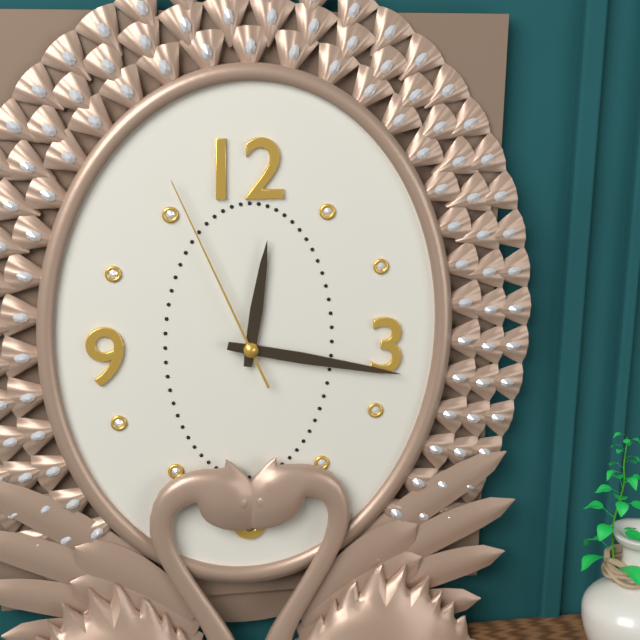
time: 12:17:56
